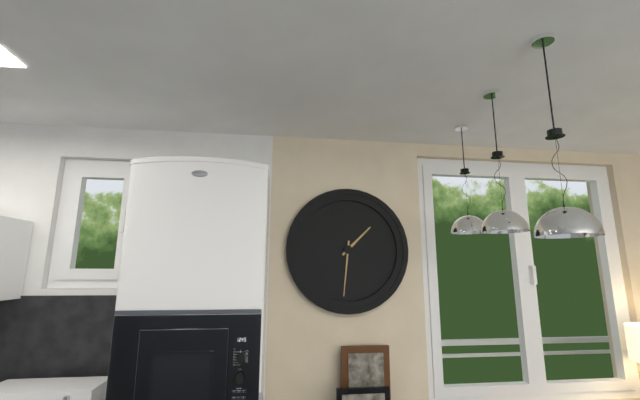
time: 1:31
